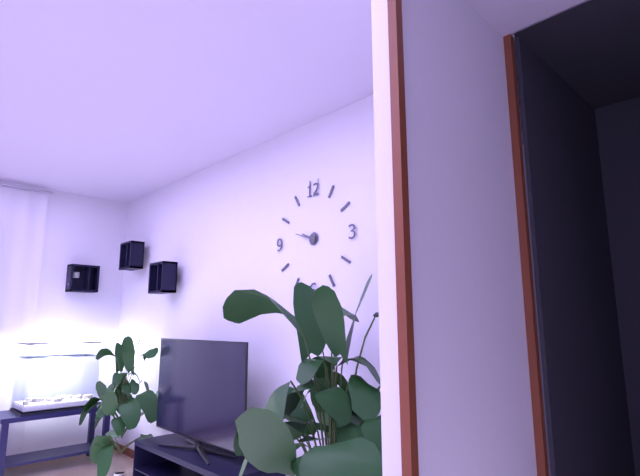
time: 9:48
